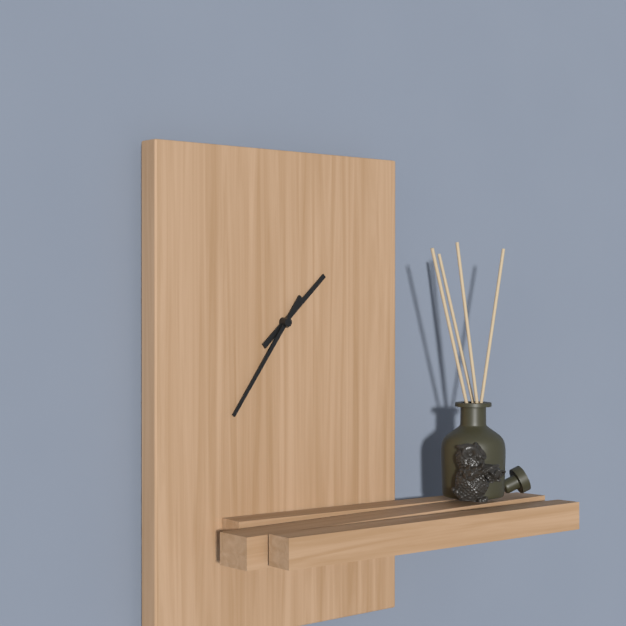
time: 1:36
